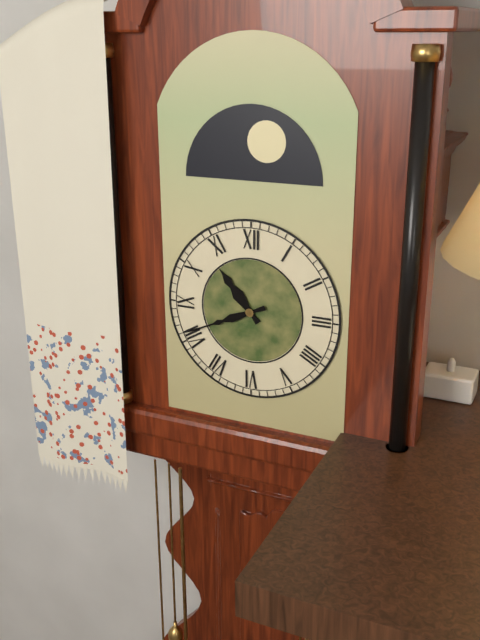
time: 10:41
